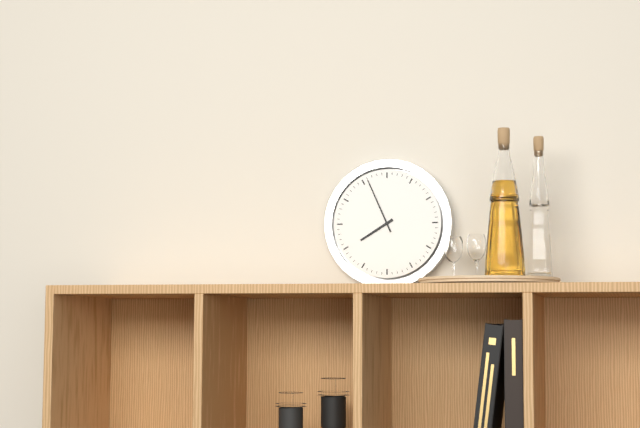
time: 7:56
